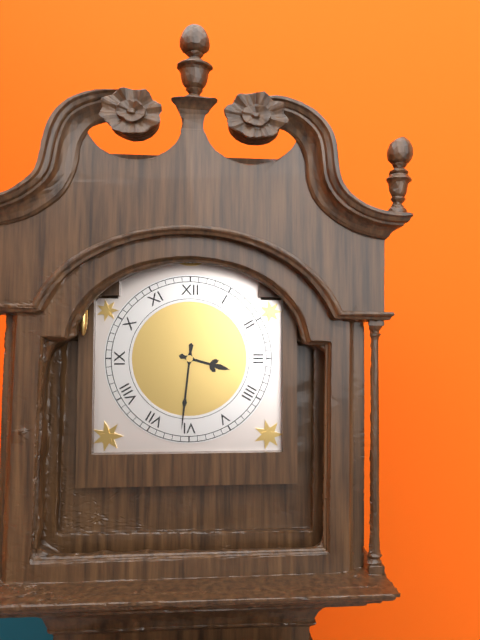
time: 3:31
